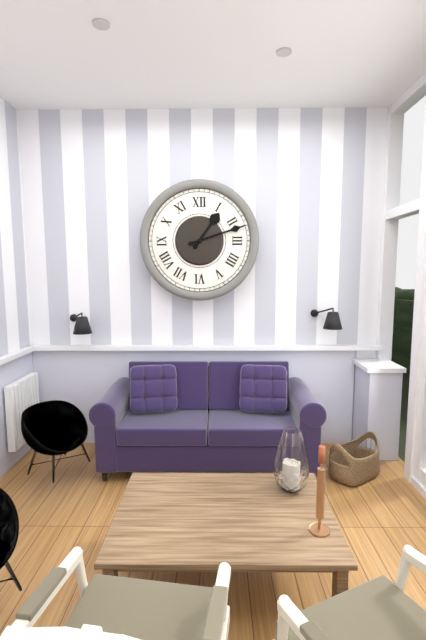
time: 1:12
